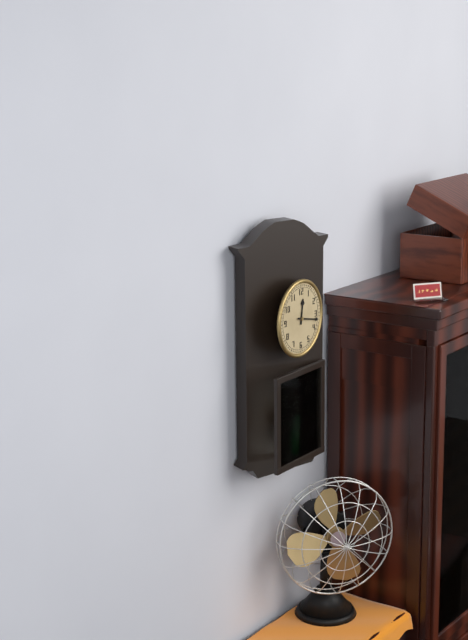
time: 12:17
